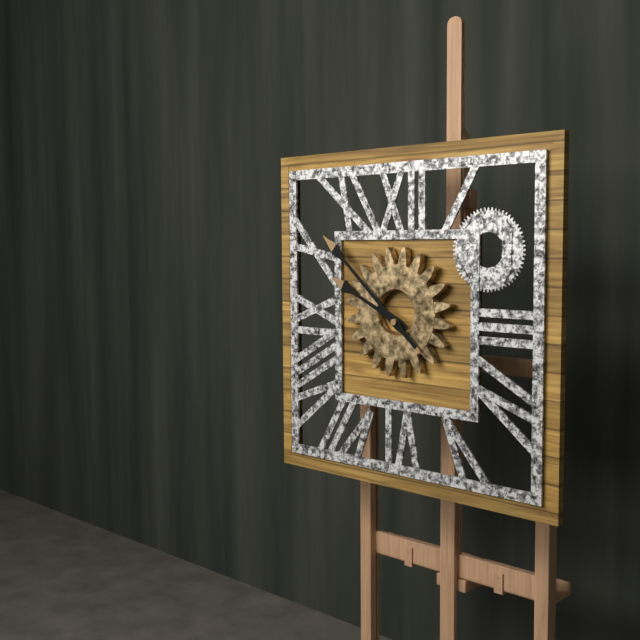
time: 9:52
